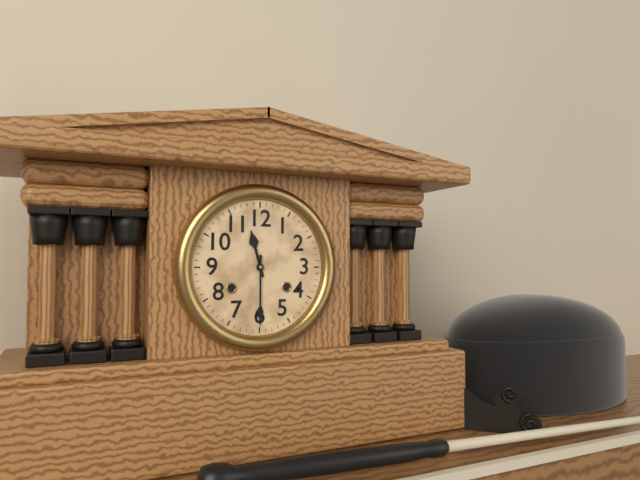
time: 11:30
